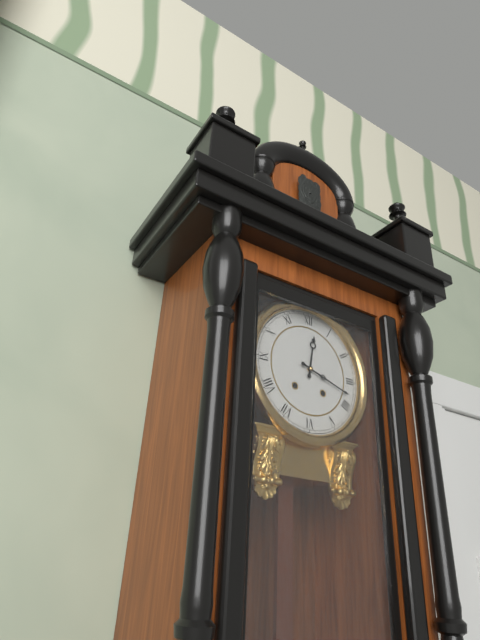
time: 12:18
